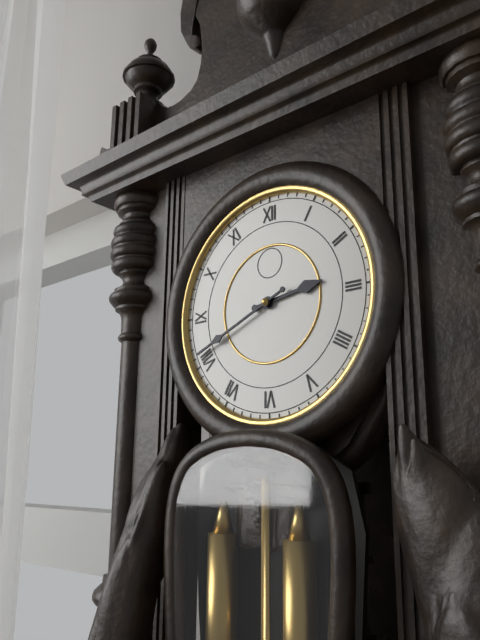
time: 2:41
